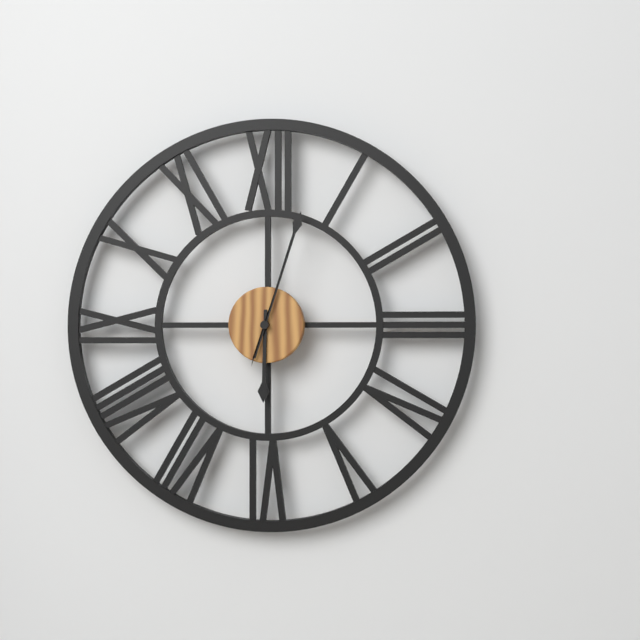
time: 6:03
